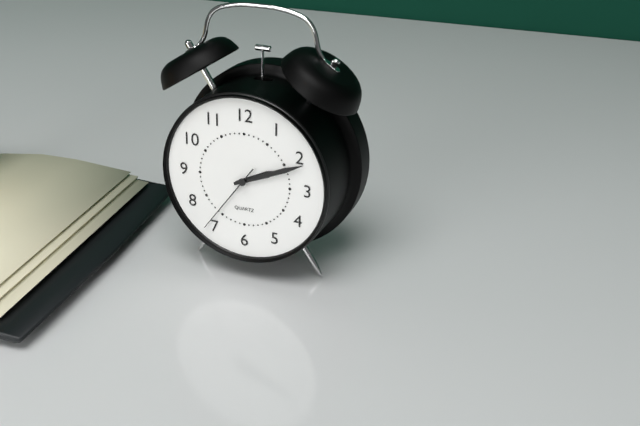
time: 2:11:36
